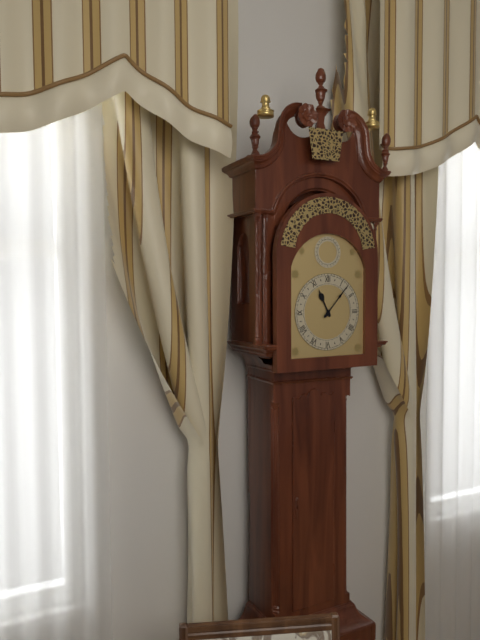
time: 11:07
